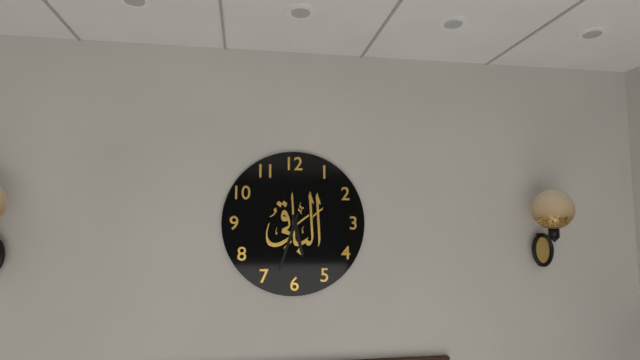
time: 5:33
